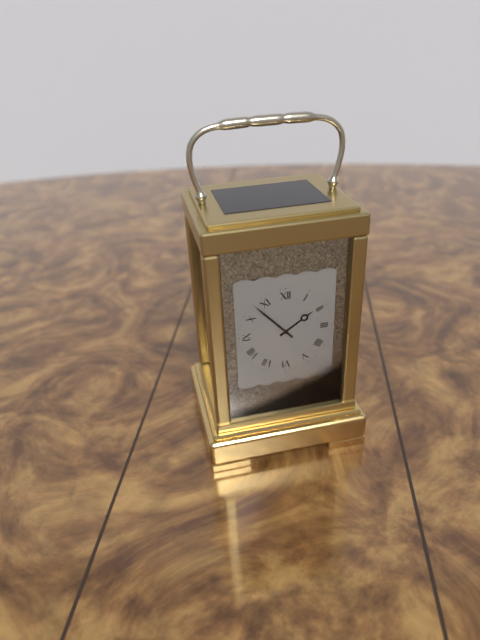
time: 1:53
